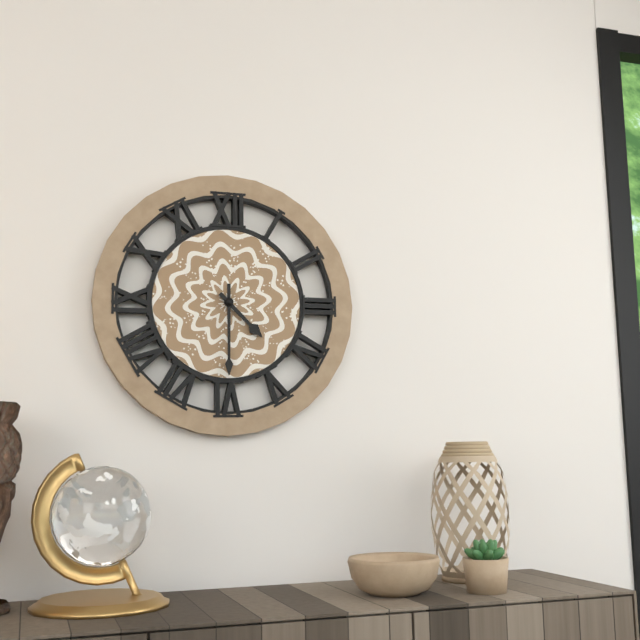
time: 4:30
